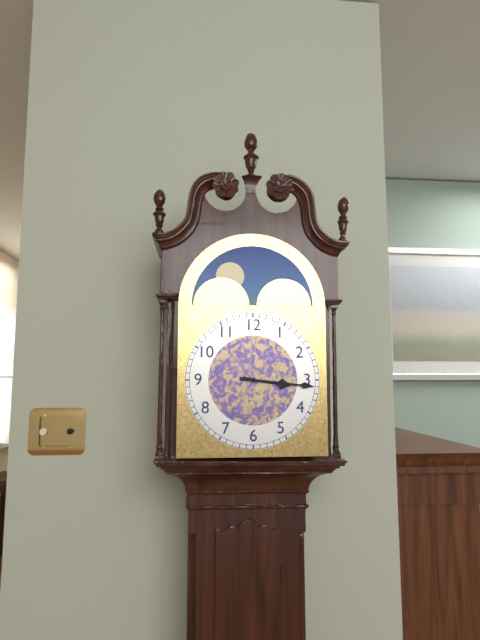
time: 3:16
